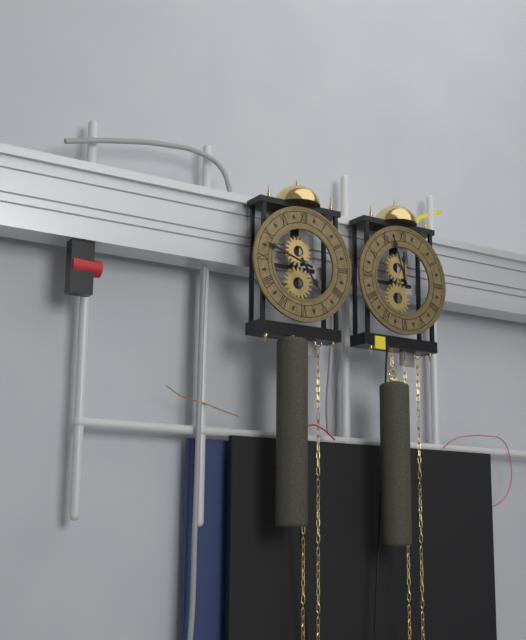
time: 4:48
